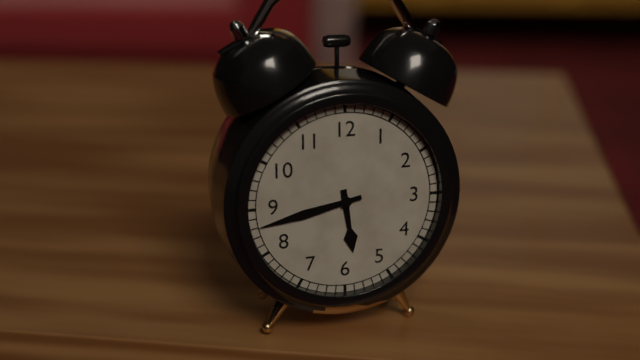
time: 5:43
